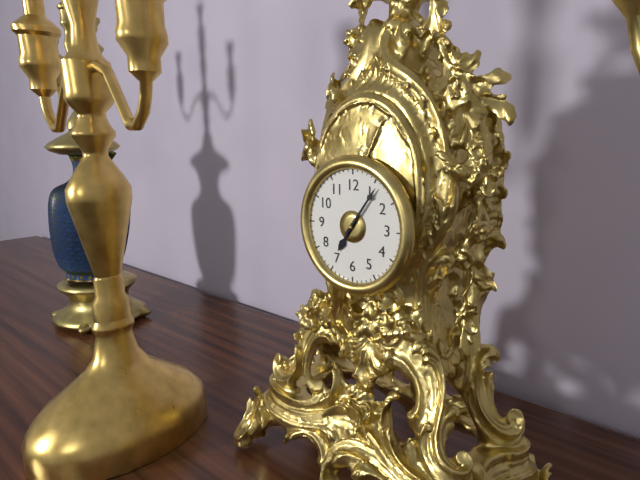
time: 7:06
